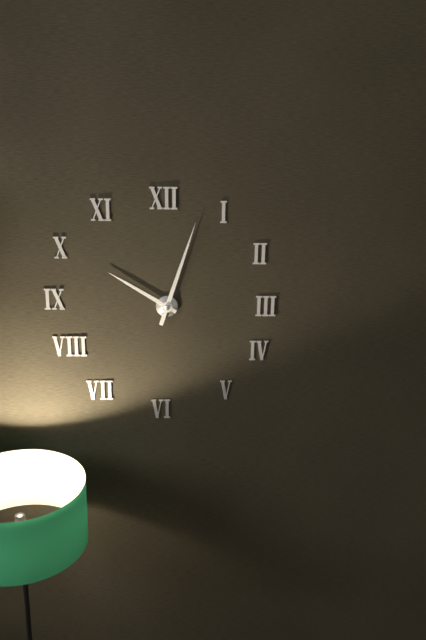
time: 10:03
